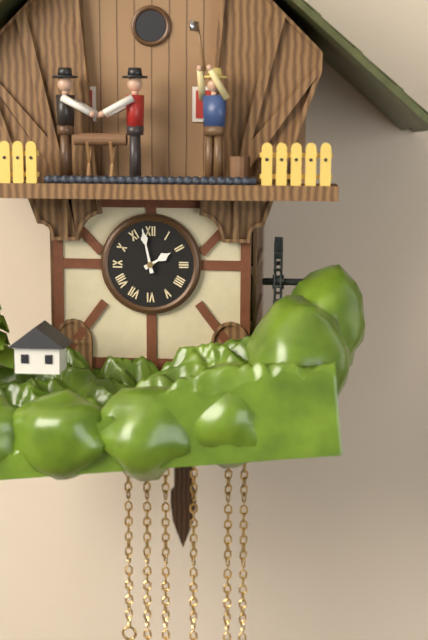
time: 1:58
